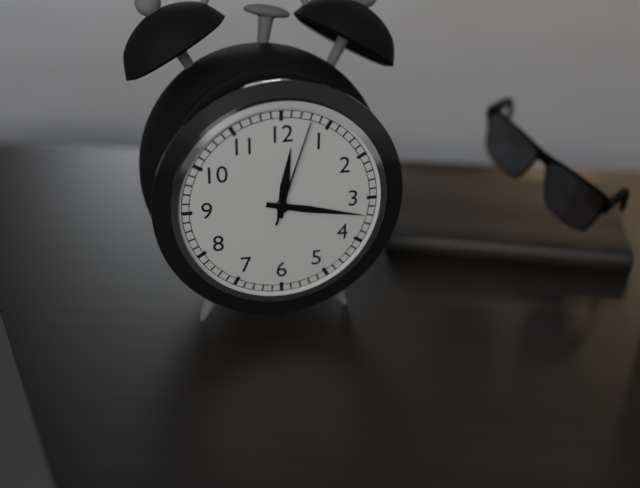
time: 12:17:03
